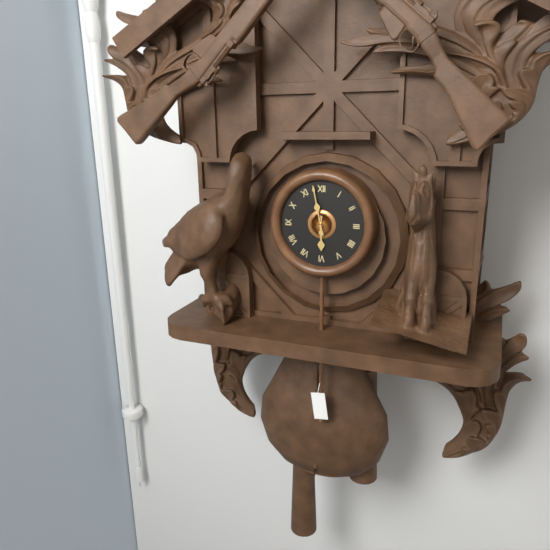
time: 5:58
